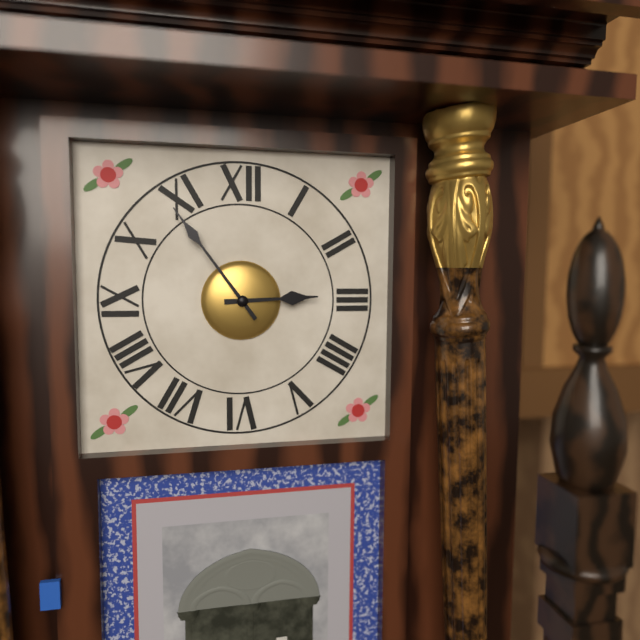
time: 2:54
